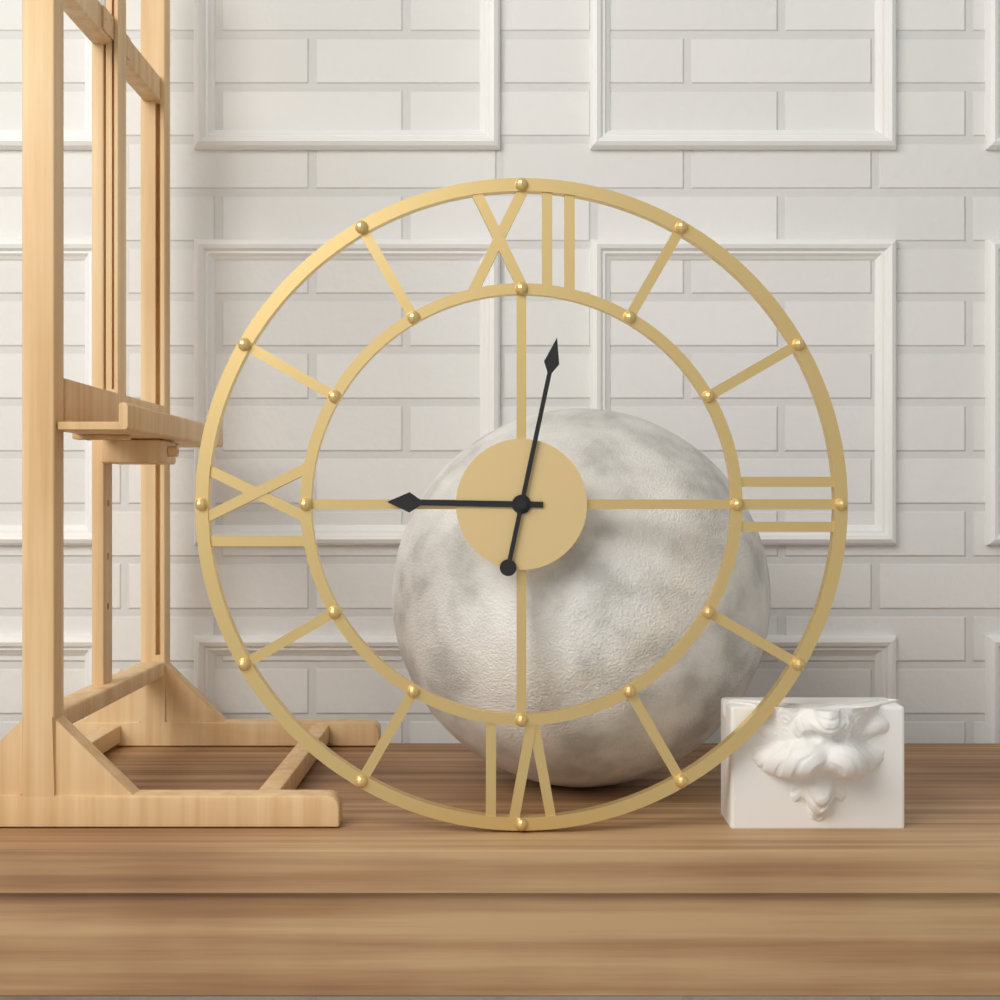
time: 9:02
